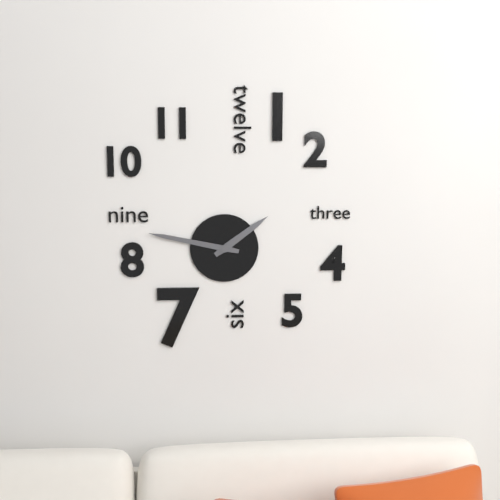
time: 1:47
